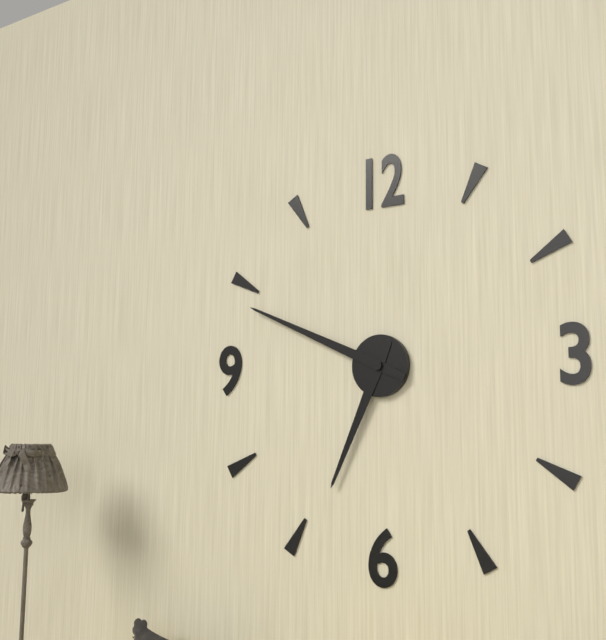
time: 6:49
